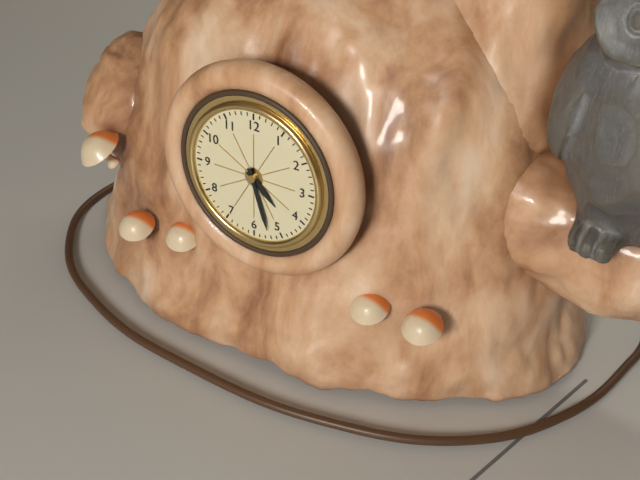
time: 4:27
